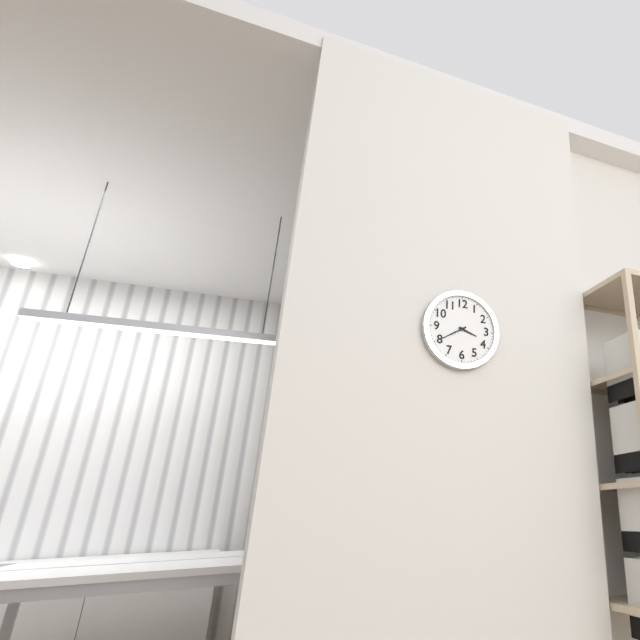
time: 3:40
